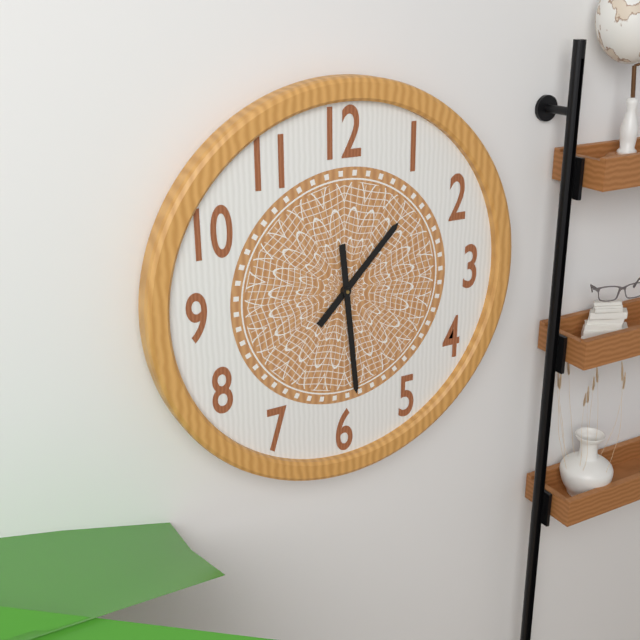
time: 1:29
